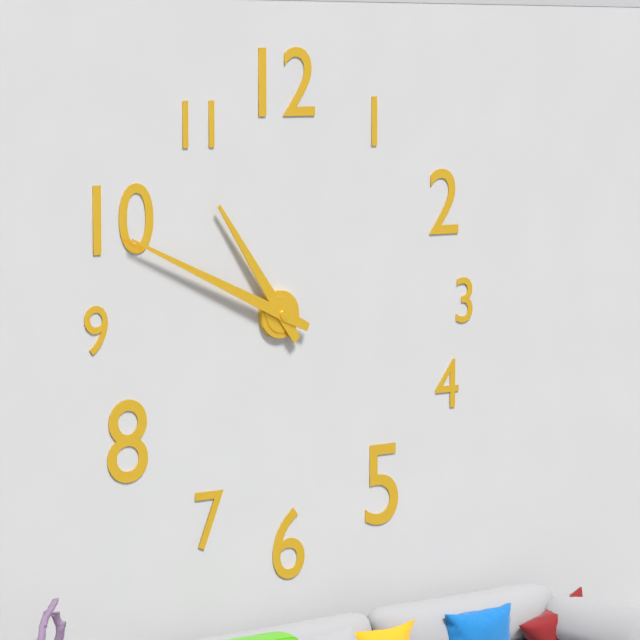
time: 10:49
